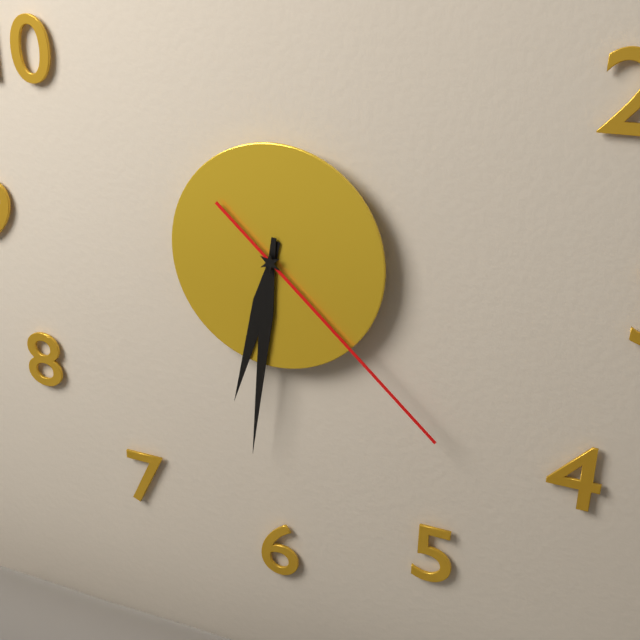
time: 6:31:22
